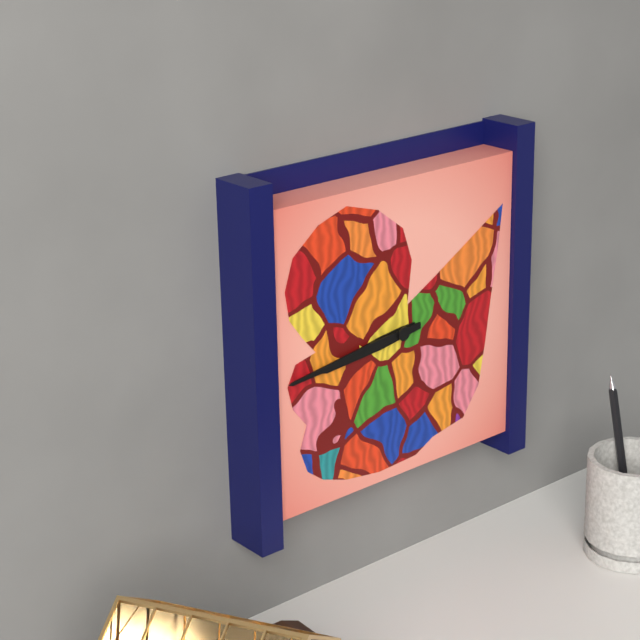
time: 8:44
